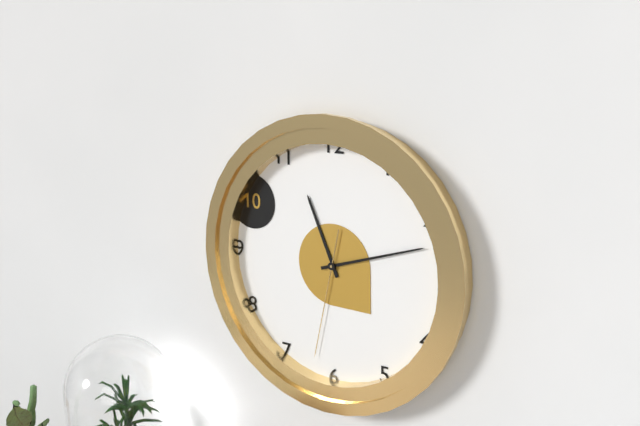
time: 11:12:32
